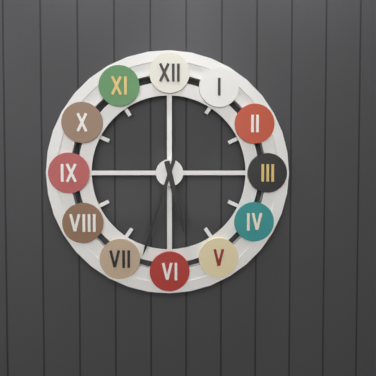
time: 5:33
